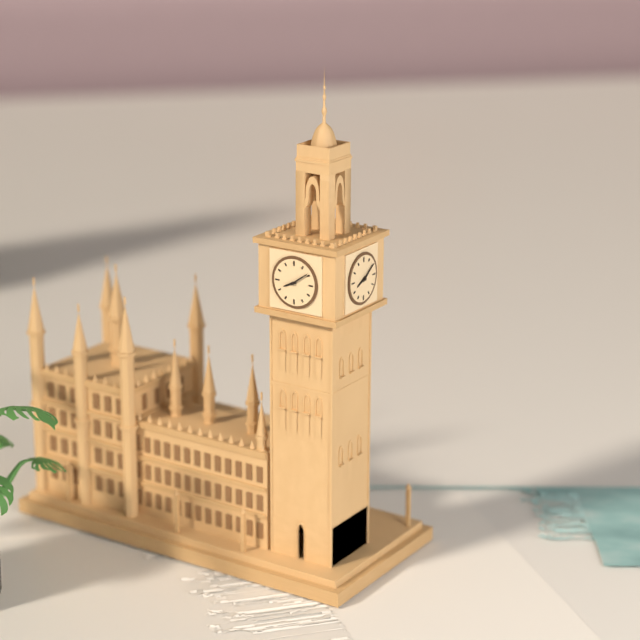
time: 8:09
